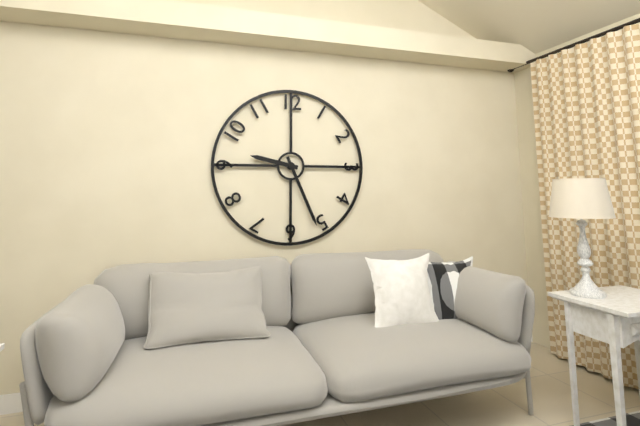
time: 9:26
